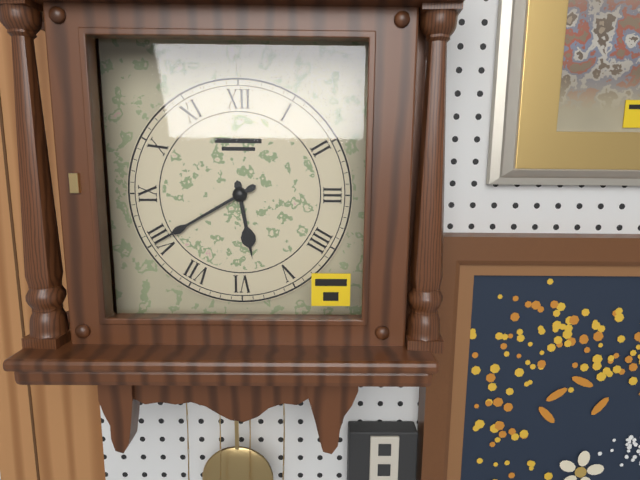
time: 5:40
